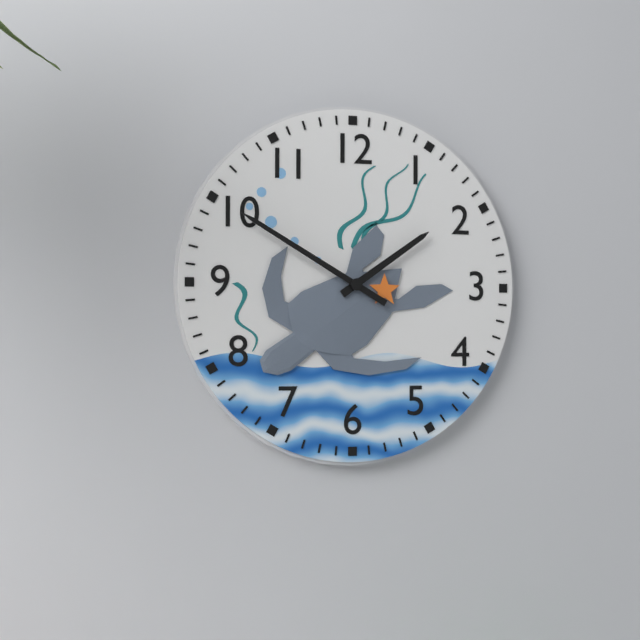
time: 1:50
